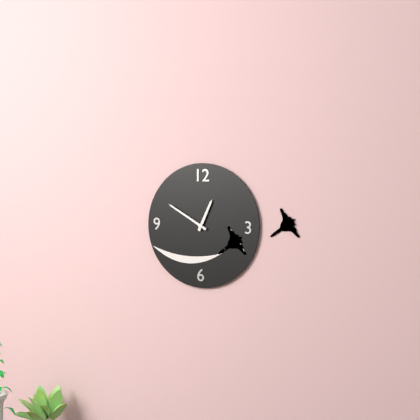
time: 12:50
